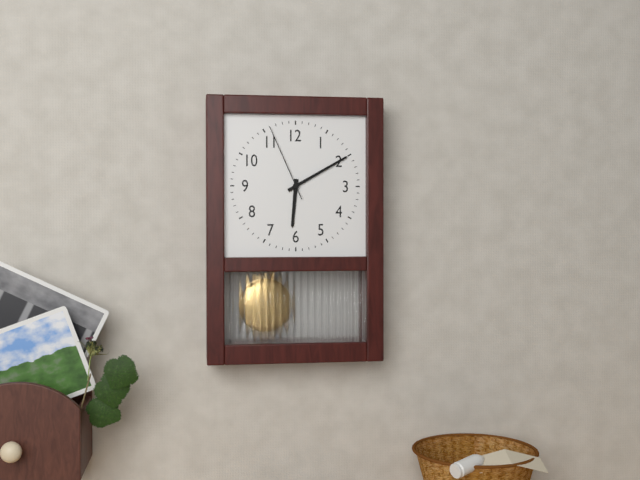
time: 6:10:56
